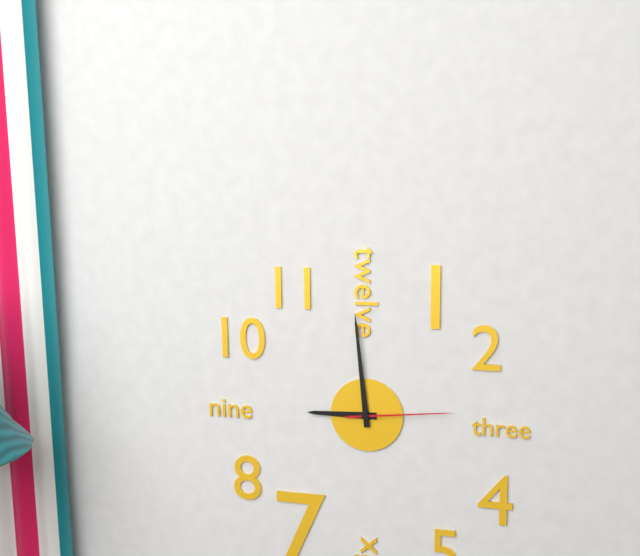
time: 8:59:14
